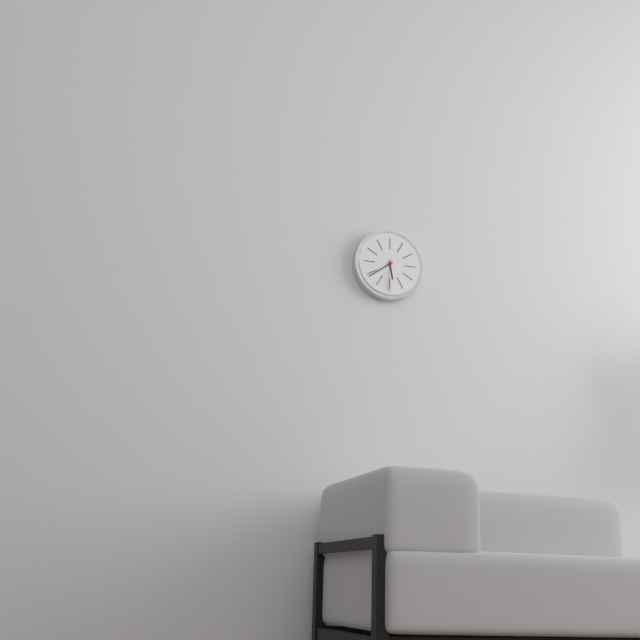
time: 5:39
